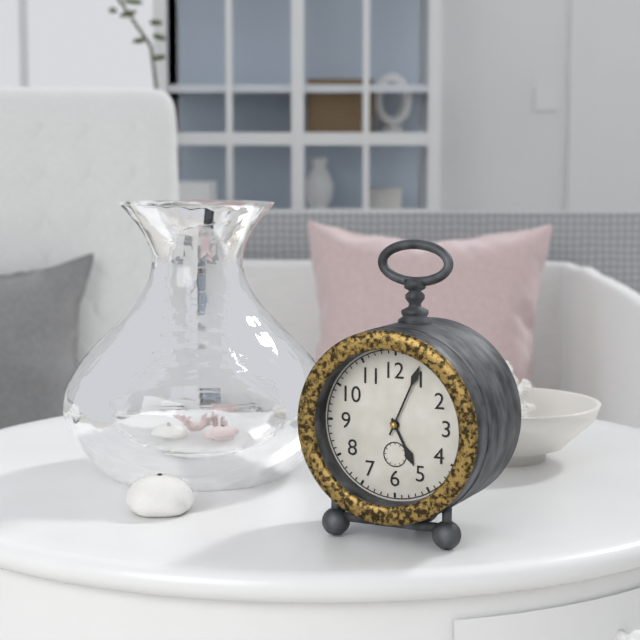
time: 5:04
